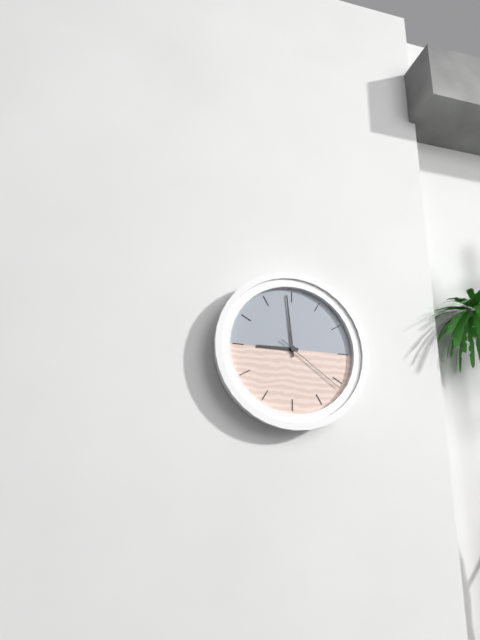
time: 8:59:21
